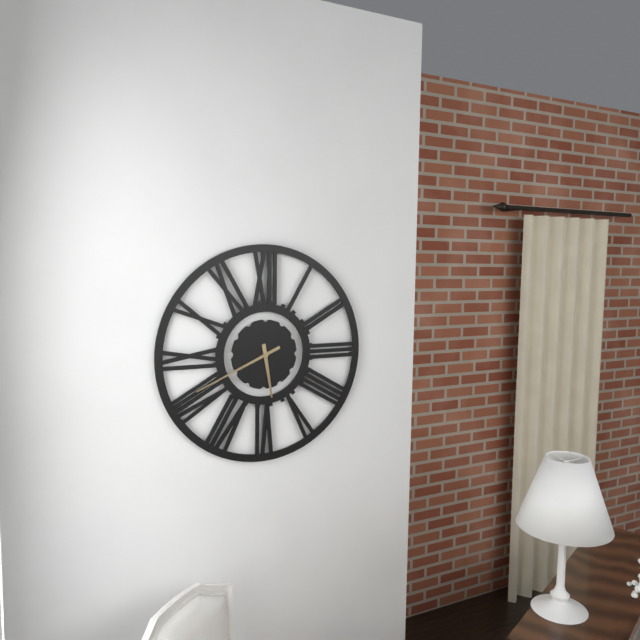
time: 5:41
